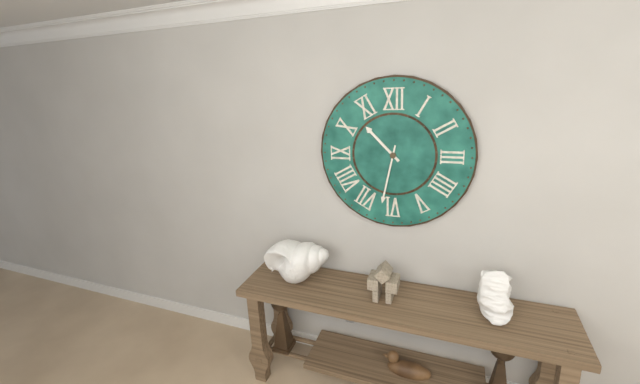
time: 10:32
